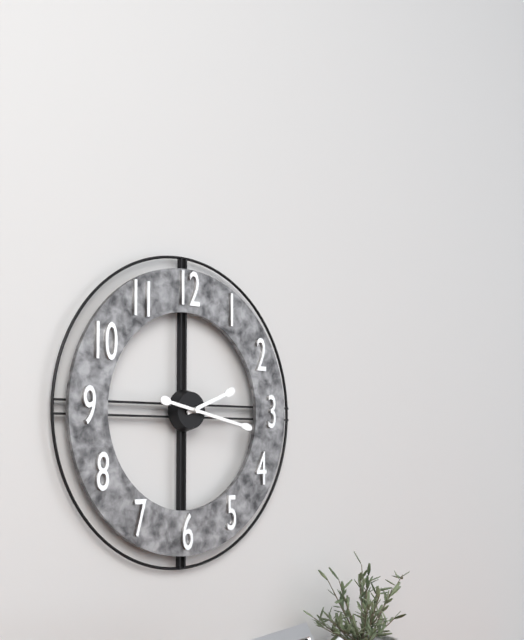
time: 2:17
